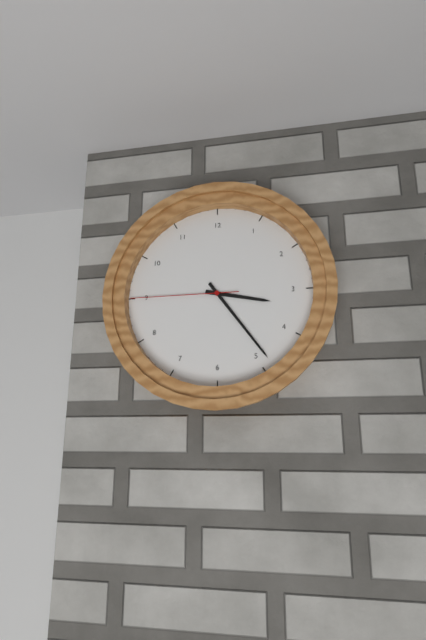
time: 3:24:45
